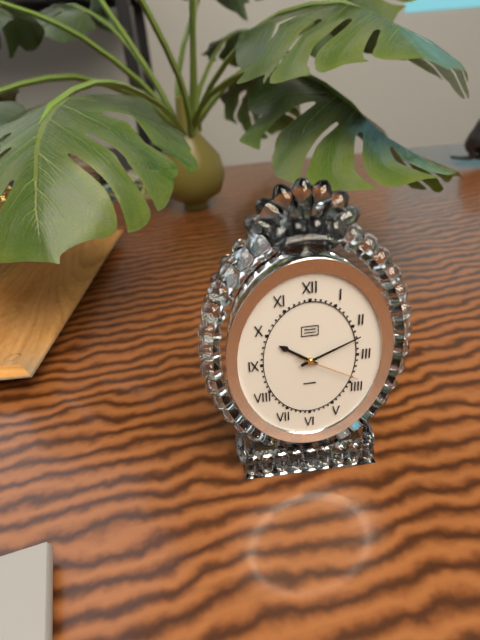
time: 10:11:20
